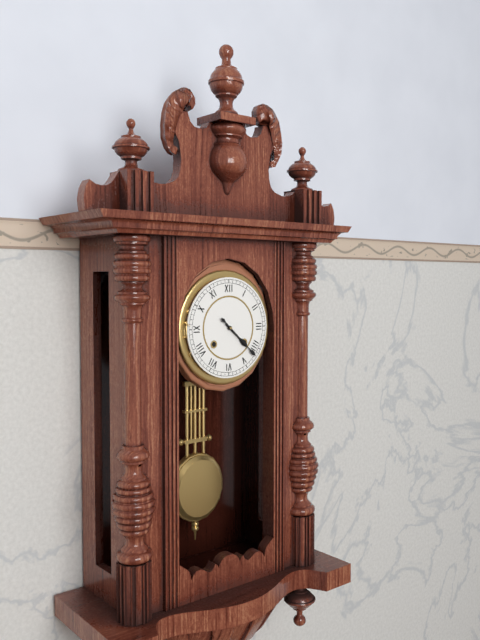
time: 4:22
